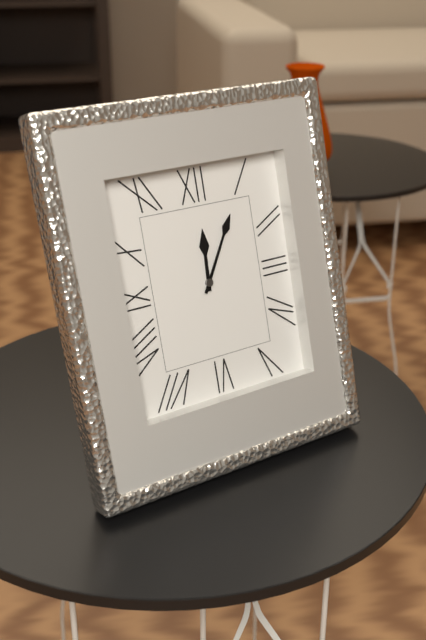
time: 12:05
